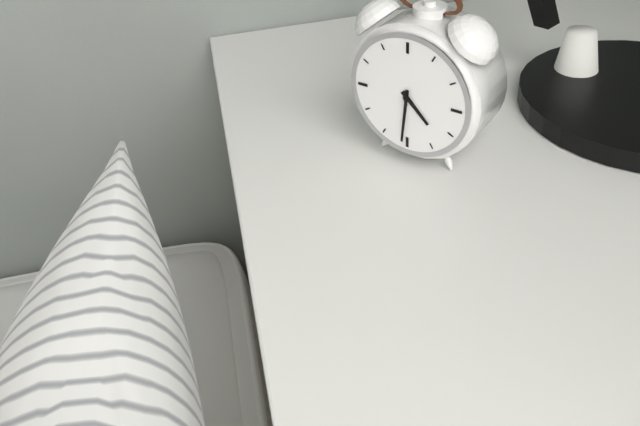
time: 4:31
